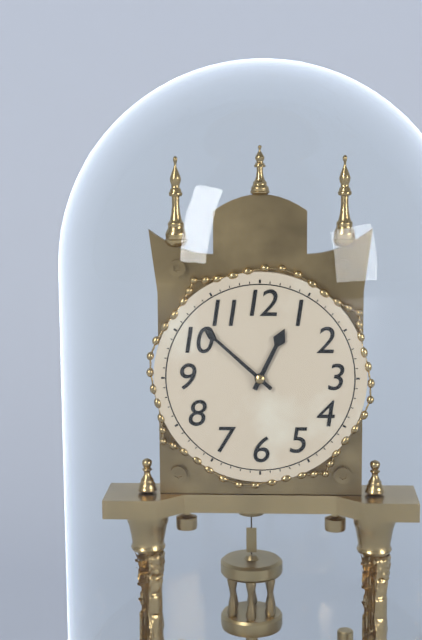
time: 12:52
